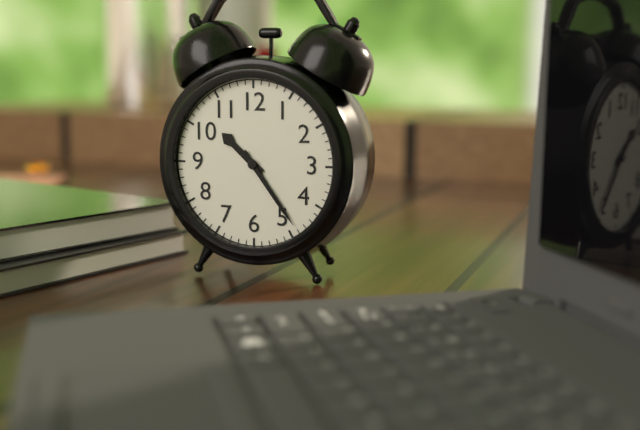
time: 10:24
